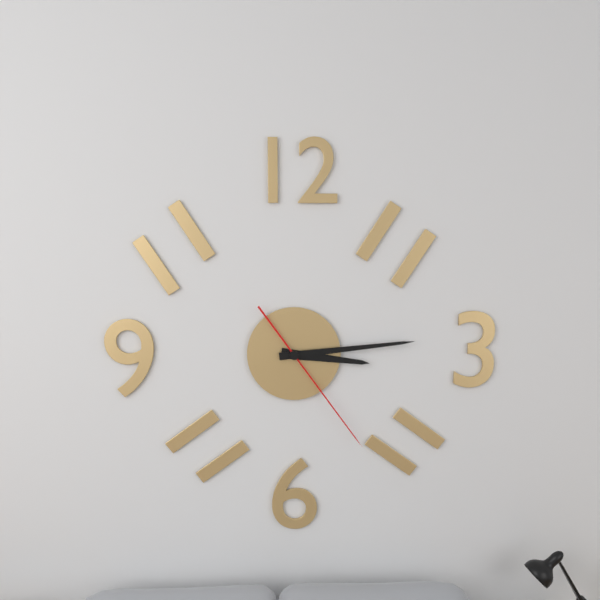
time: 3:14:24
